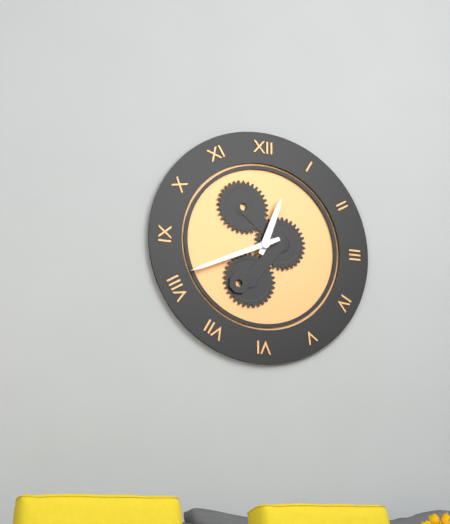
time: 12:41
